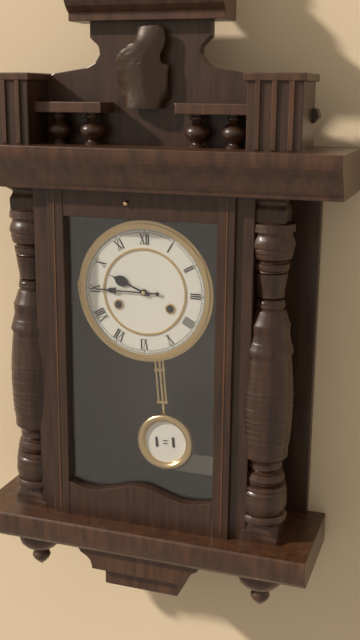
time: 9:45
